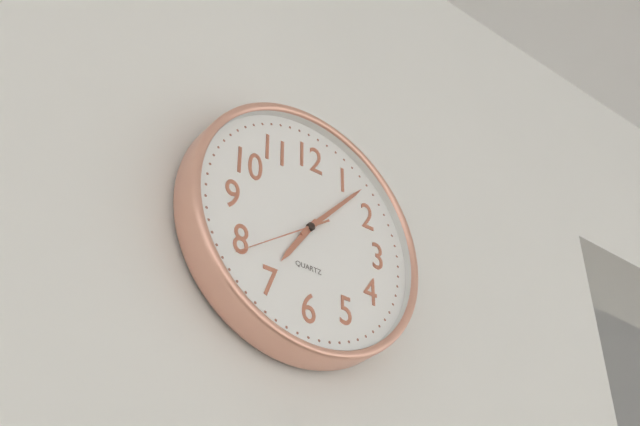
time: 7:07:39
